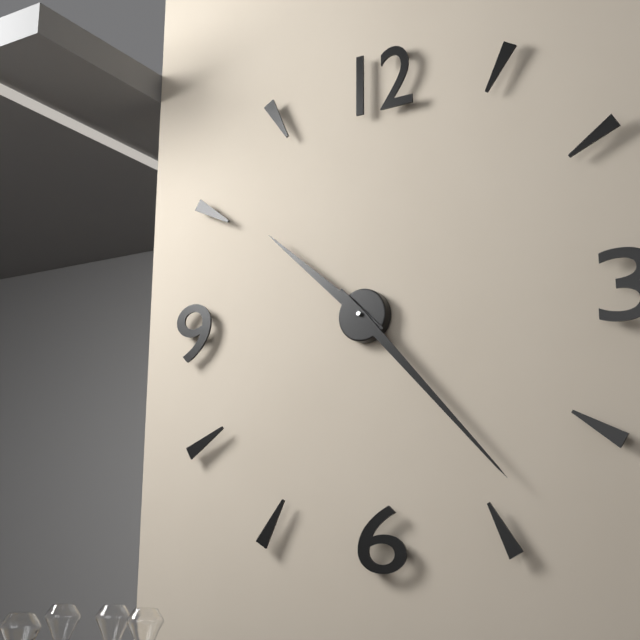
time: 10:23
